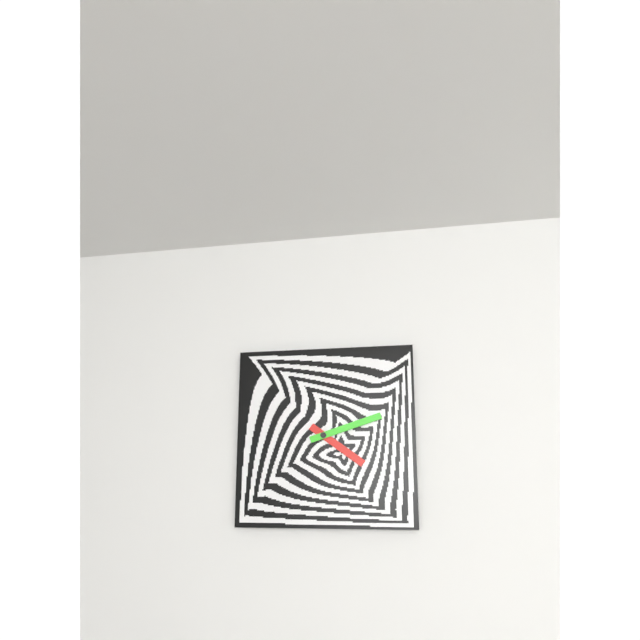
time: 4:12
